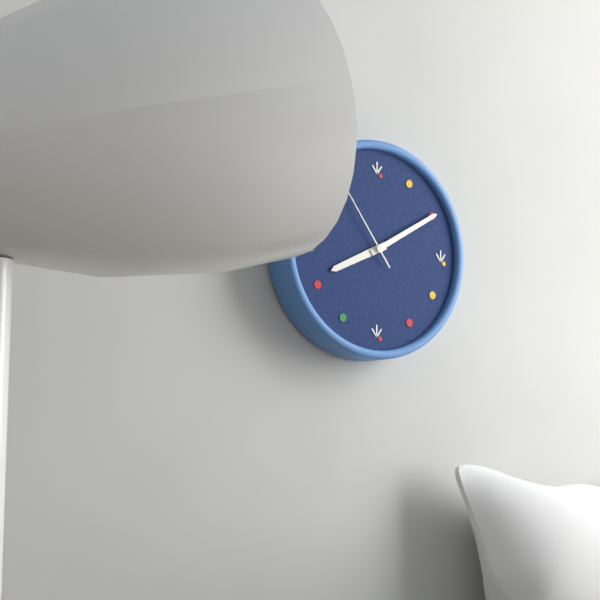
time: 8:10:54
